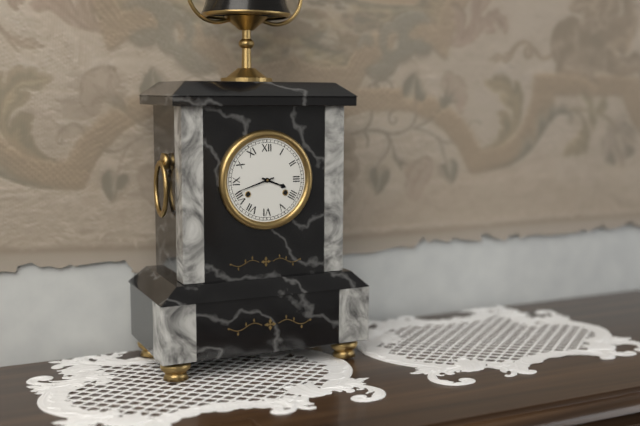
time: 3:42
